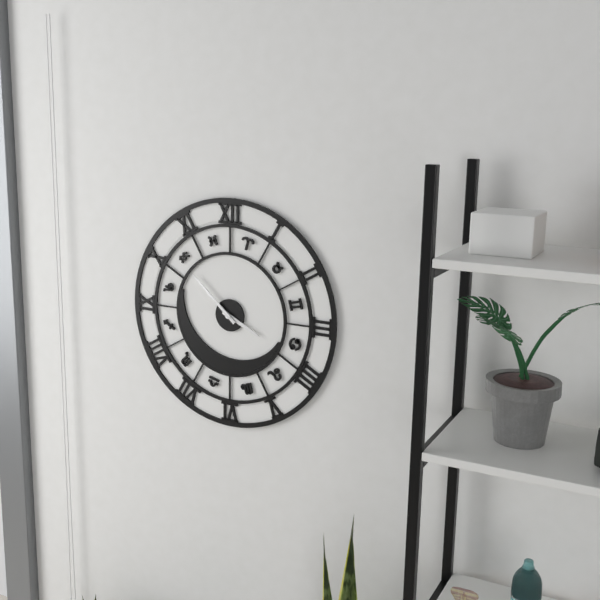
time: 3:52
